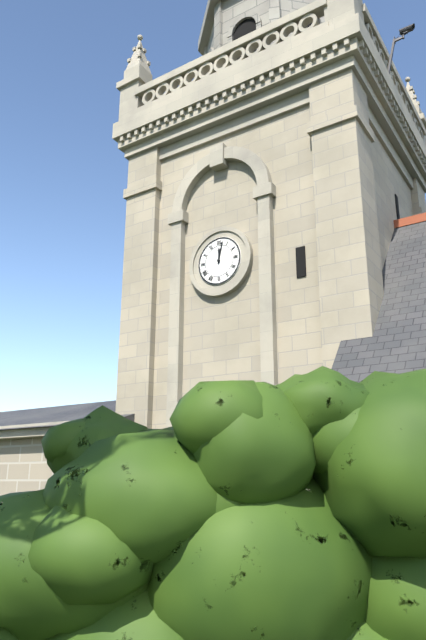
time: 12:02
